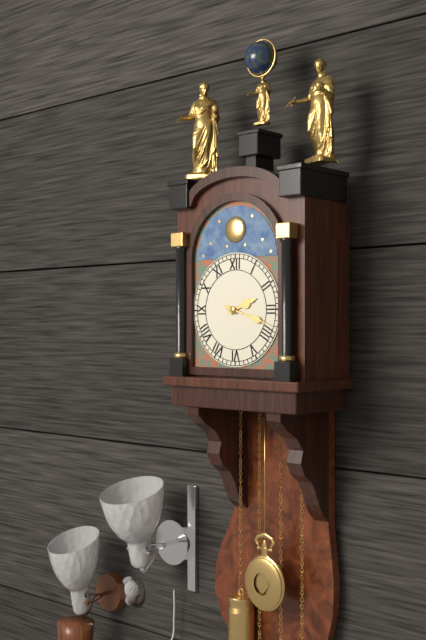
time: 2:18
